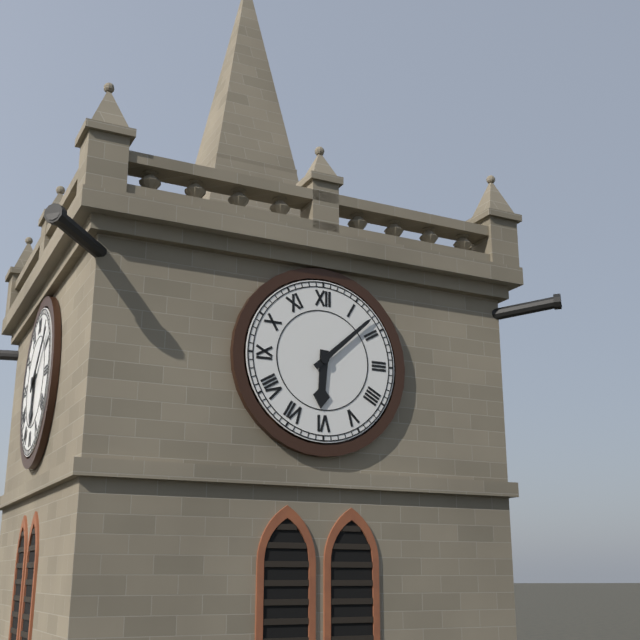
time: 6:08
